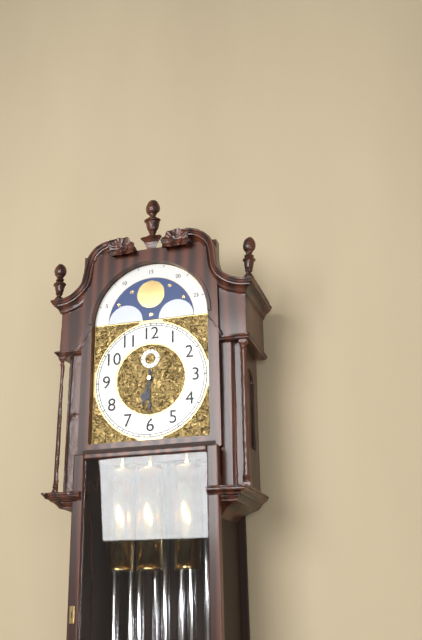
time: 6:30
